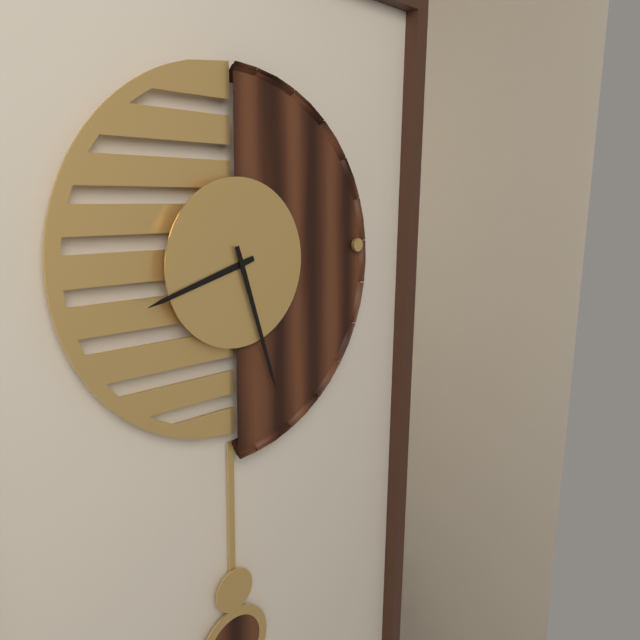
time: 8:27
